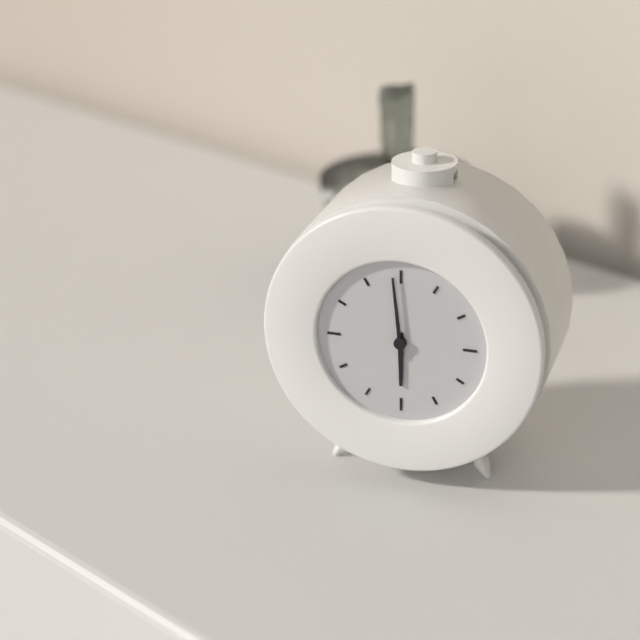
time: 5:59
